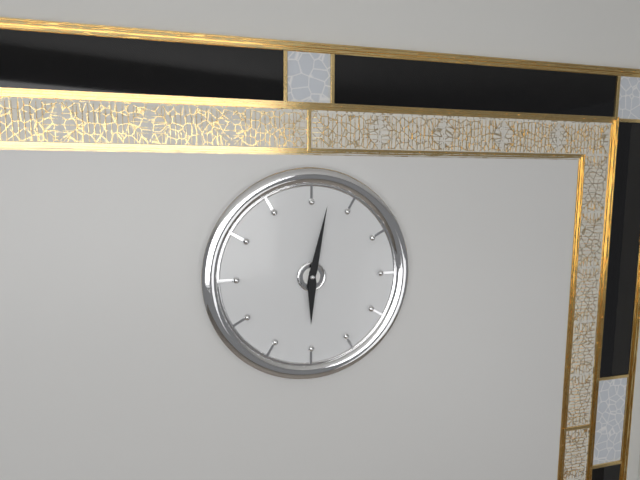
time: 6:02
